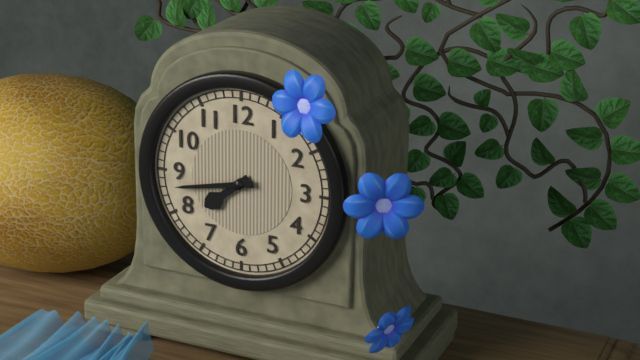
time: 7:43
